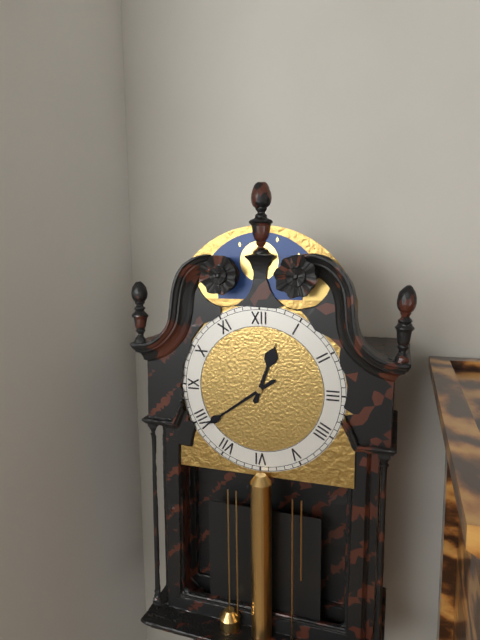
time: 12:39
